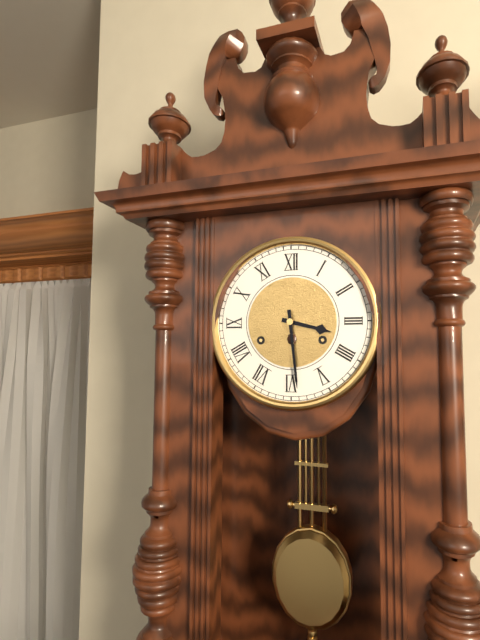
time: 3:29
